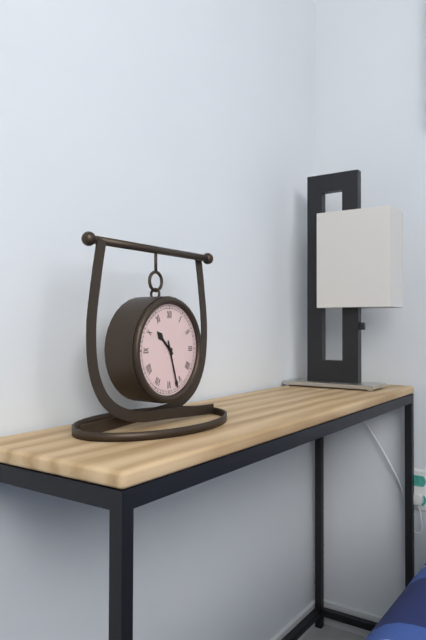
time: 10:27
